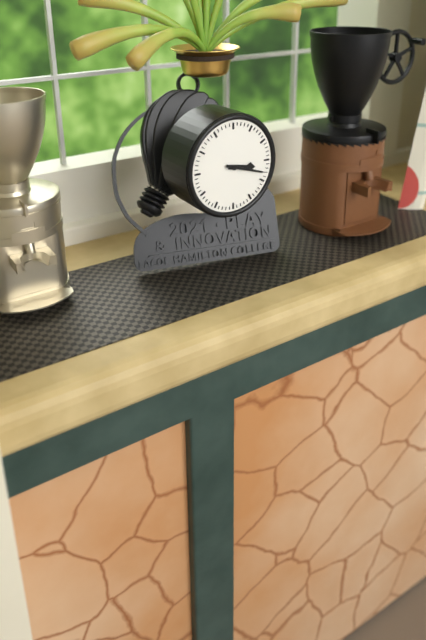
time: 3:18
